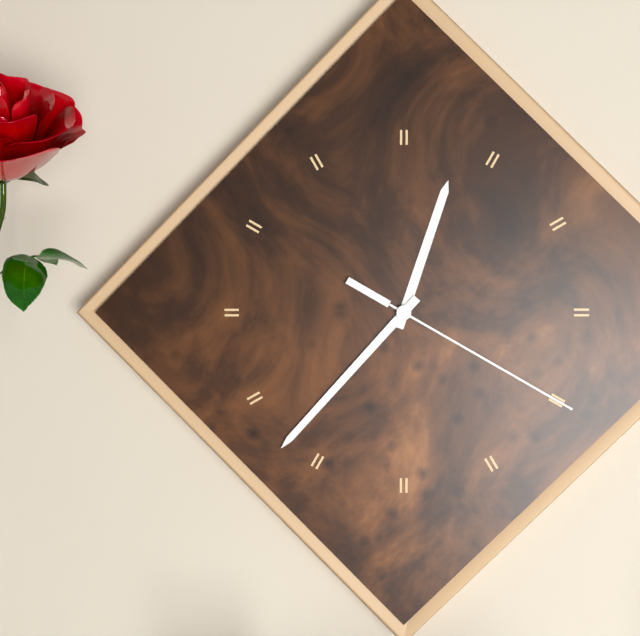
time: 12:37:20
